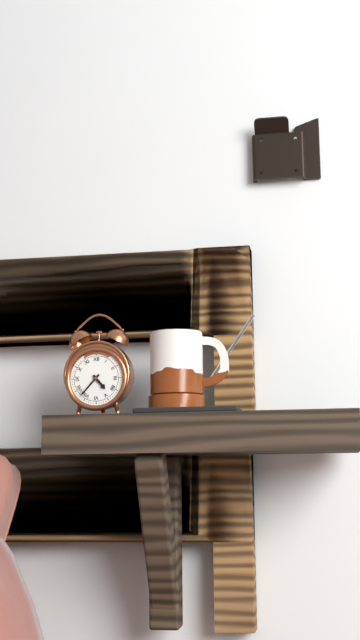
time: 4:37
